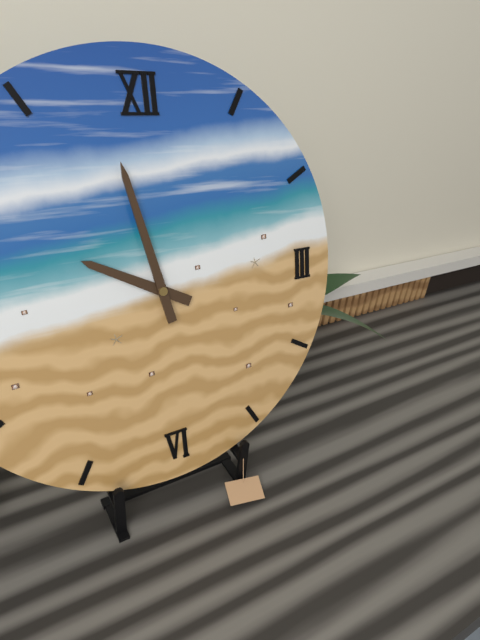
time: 9:58
